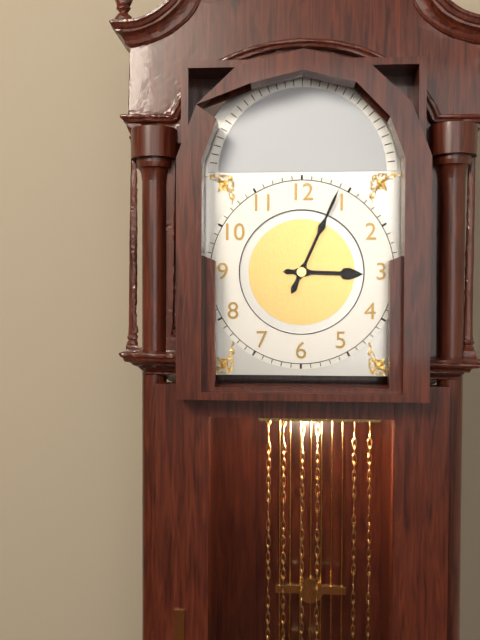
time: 3:04
